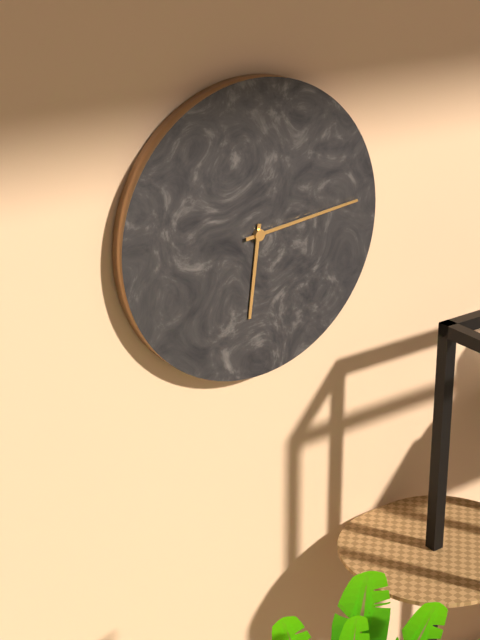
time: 6:14
